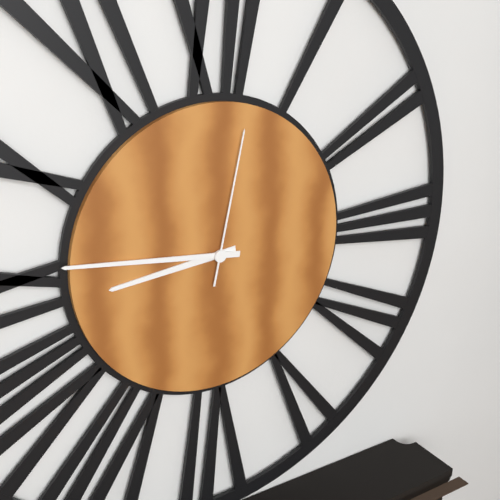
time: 8:46:02
